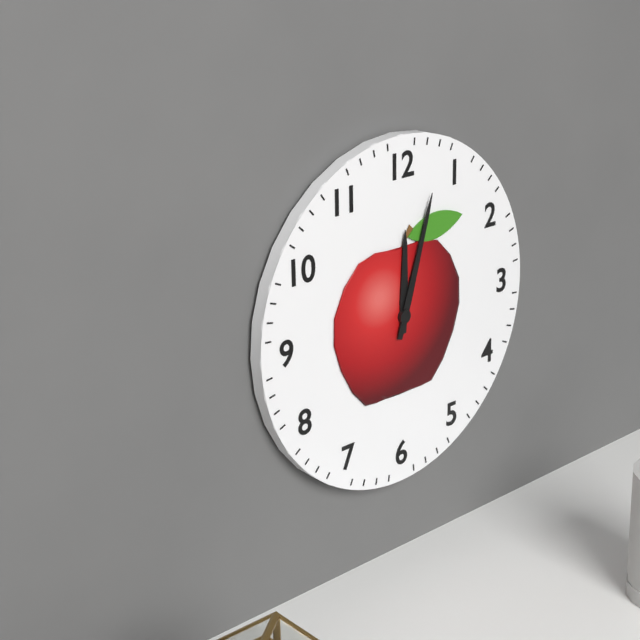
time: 12:03
